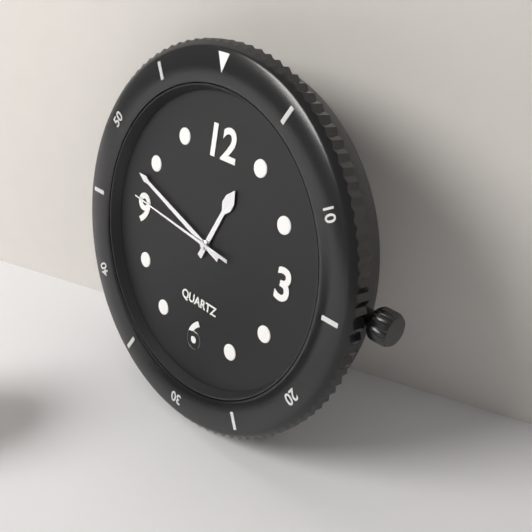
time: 12:48:46
